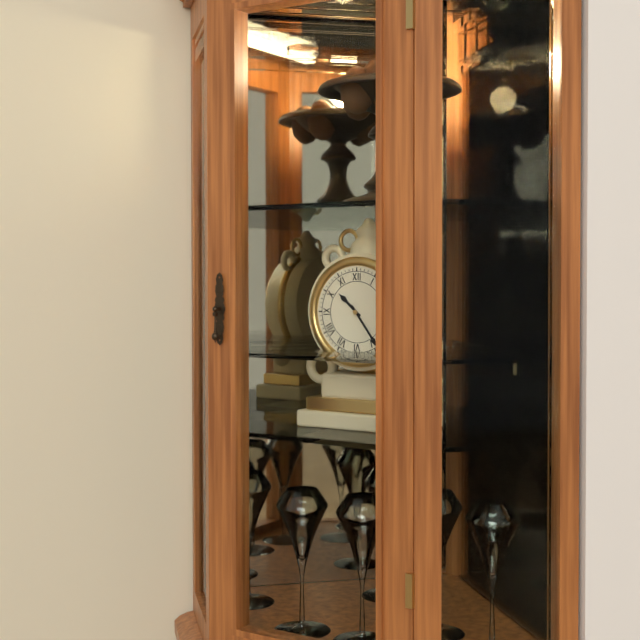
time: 10:24
